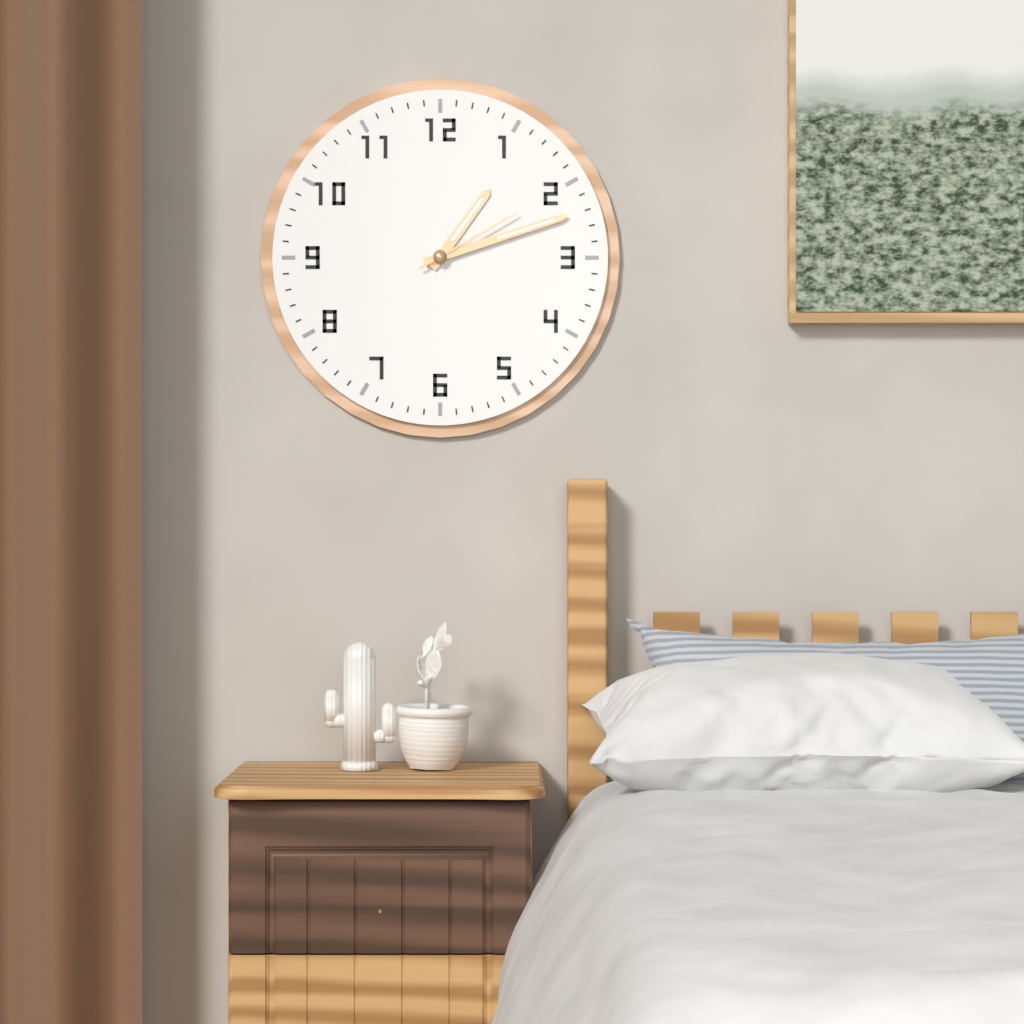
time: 1:12:10
